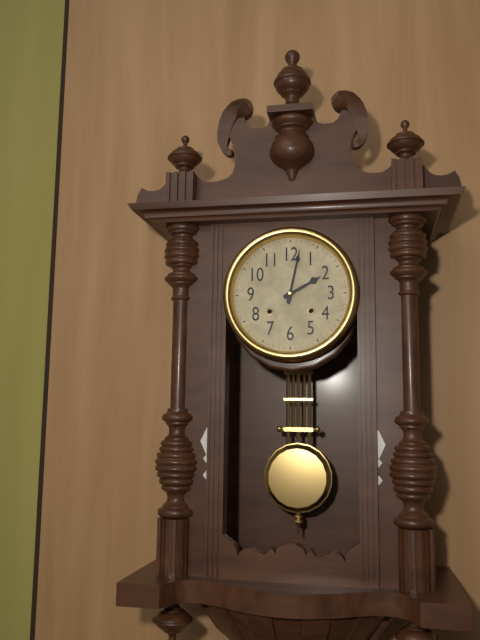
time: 2:02
